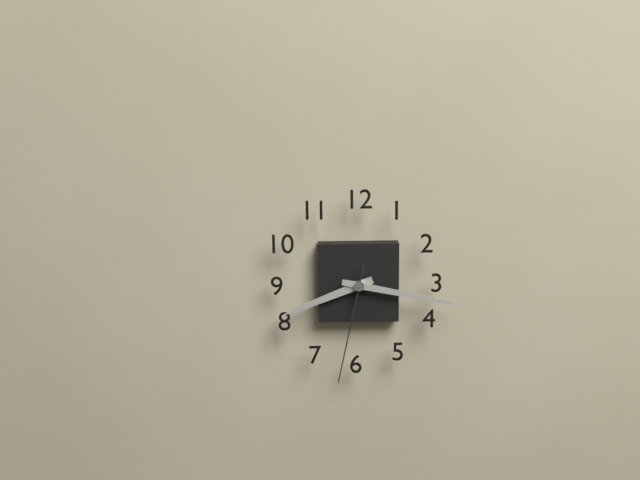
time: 8:17:32
